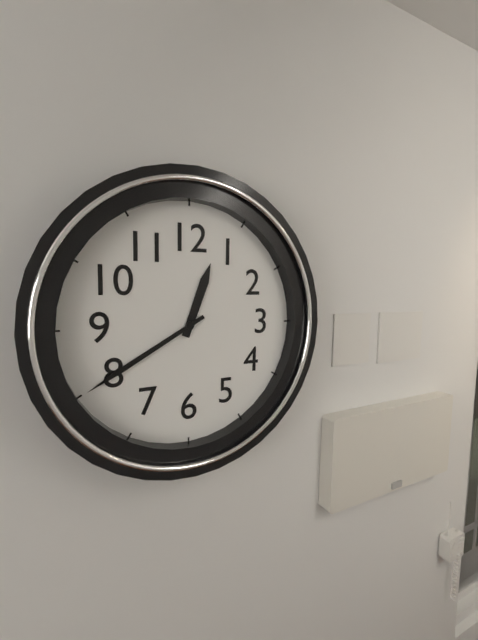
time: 12:40
